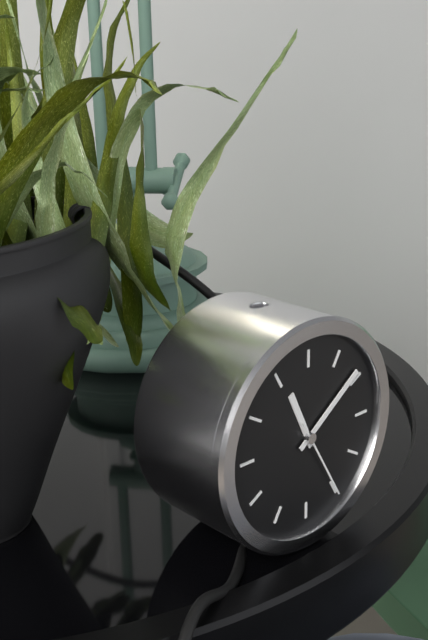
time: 11:09:25
